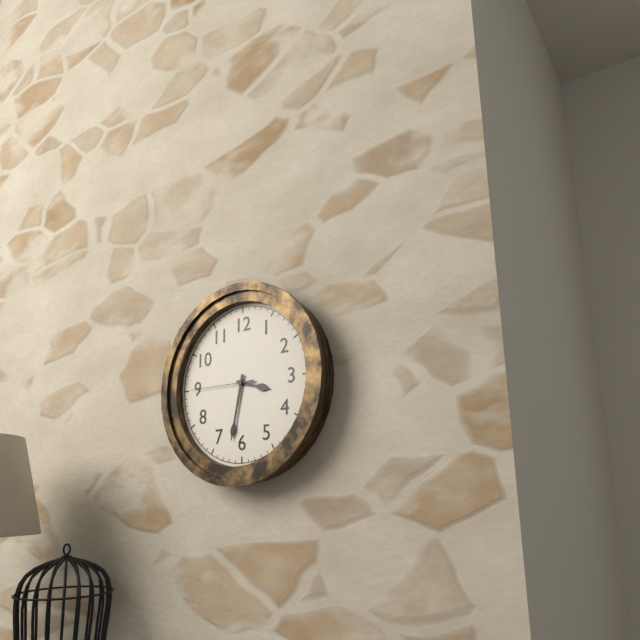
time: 3:32:45
